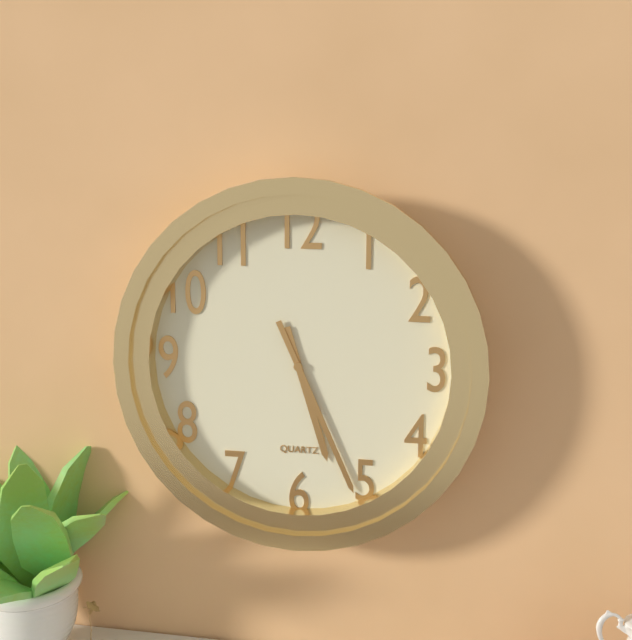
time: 5:26
